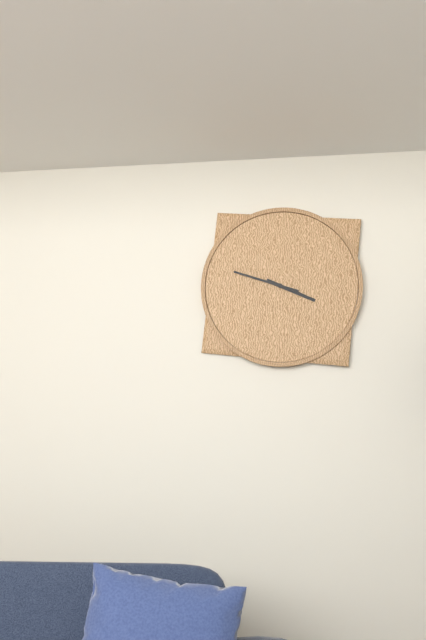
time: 3:48
